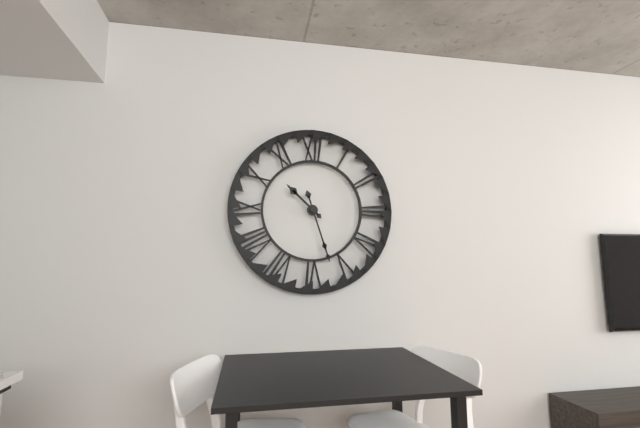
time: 10:27
